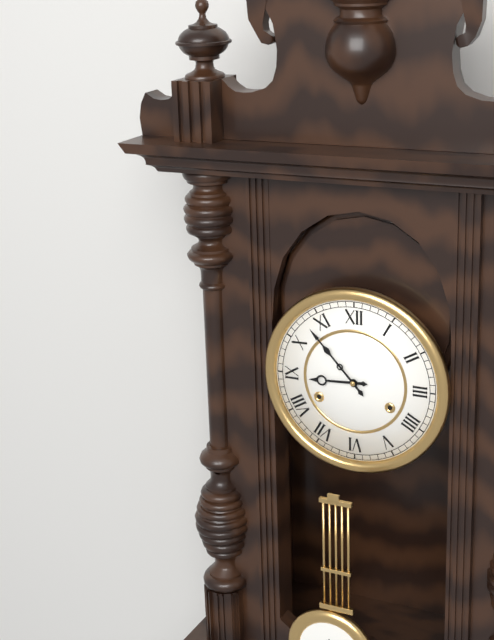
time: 8:53
